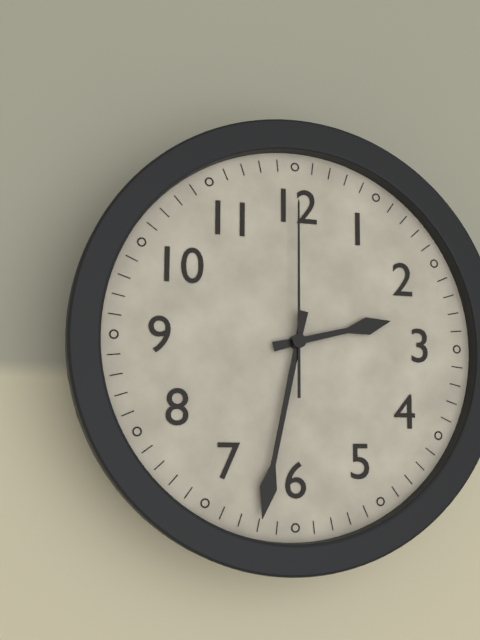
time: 2:32:00
